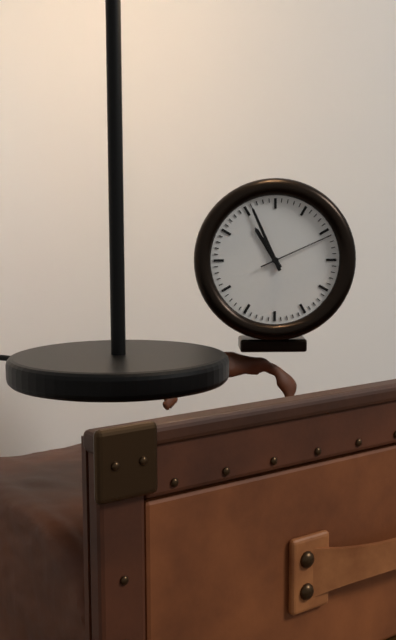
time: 10:56:11
